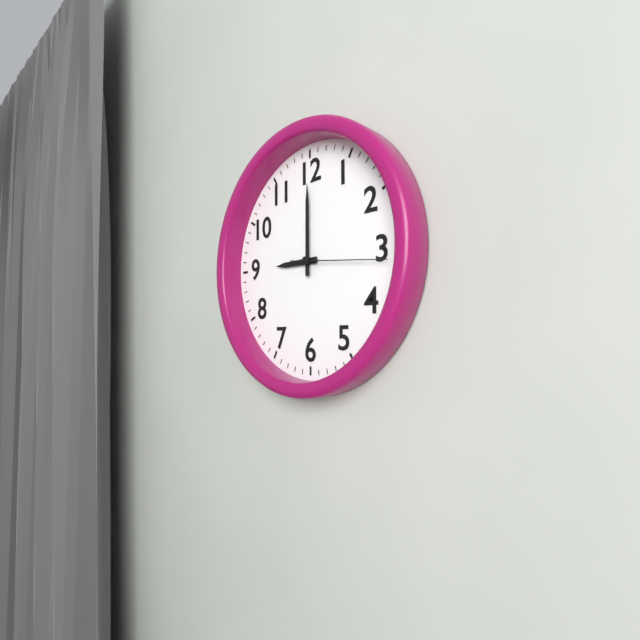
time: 9:00:16
